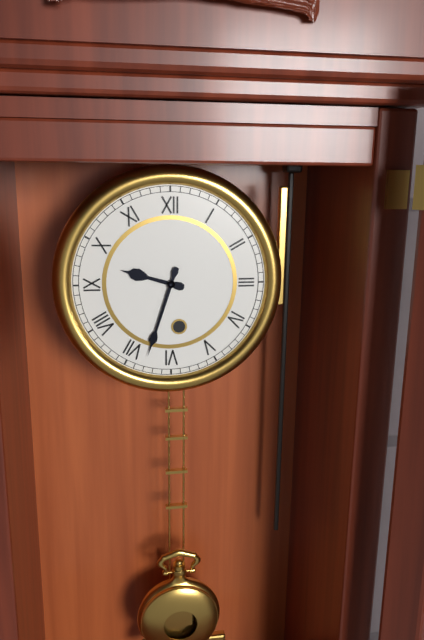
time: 9:33
